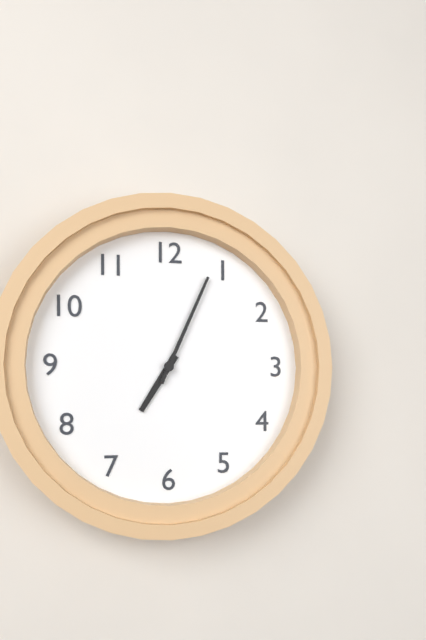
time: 7:04
